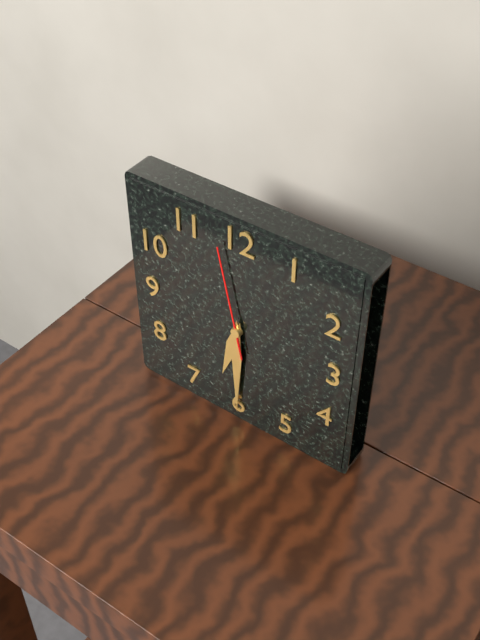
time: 6:30:58
